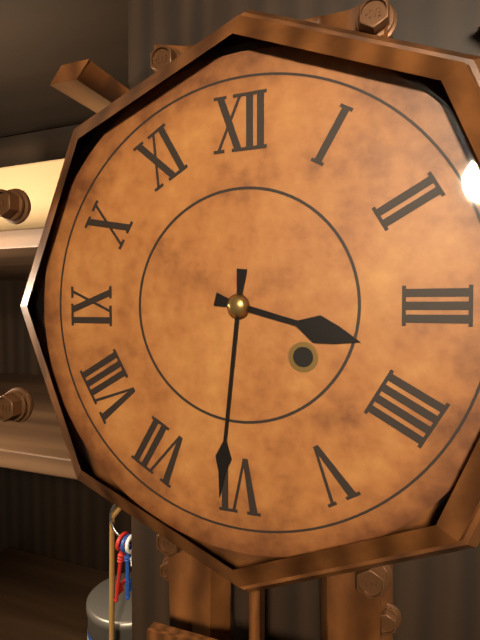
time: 3:31
